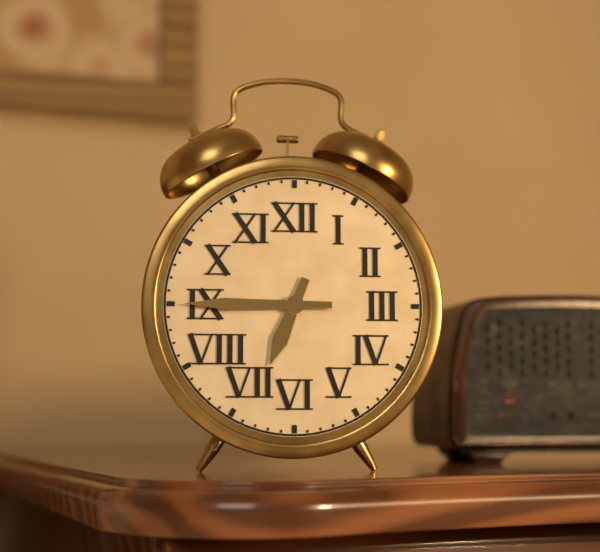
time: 6:45
